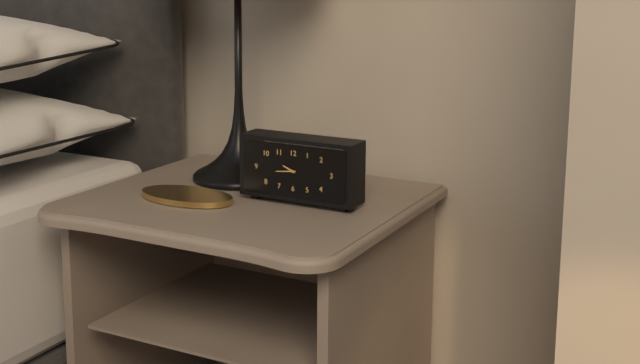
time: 9:44
